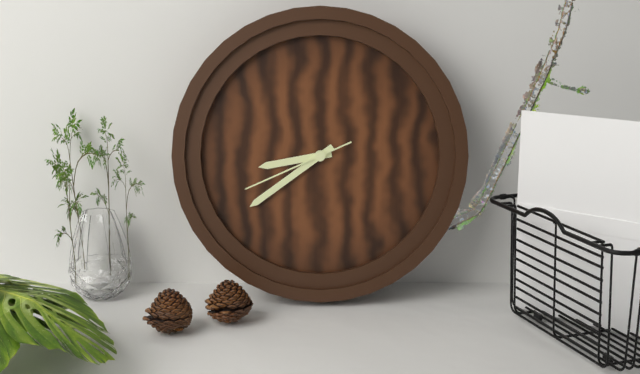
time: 8:39:41
